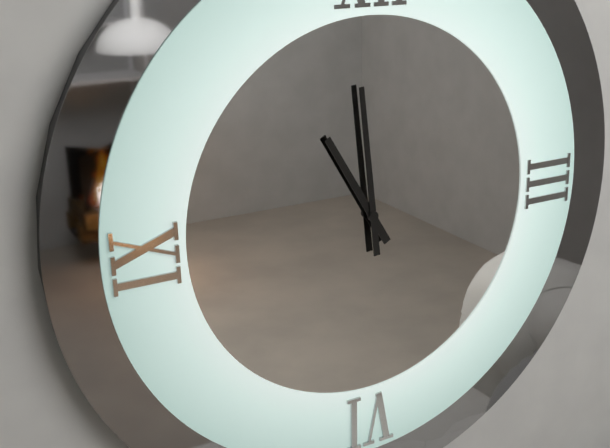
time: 10:59
